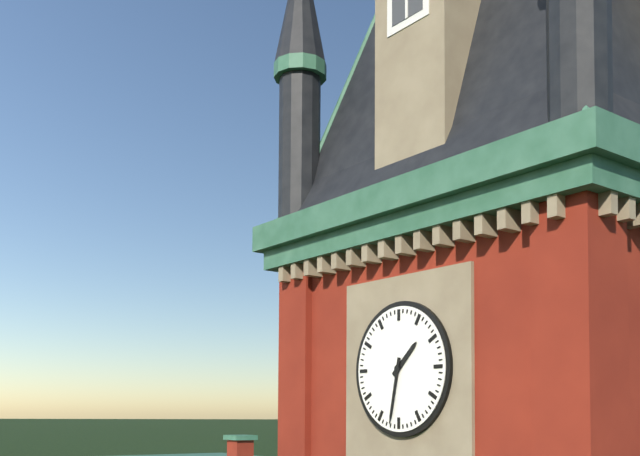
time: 1:32
